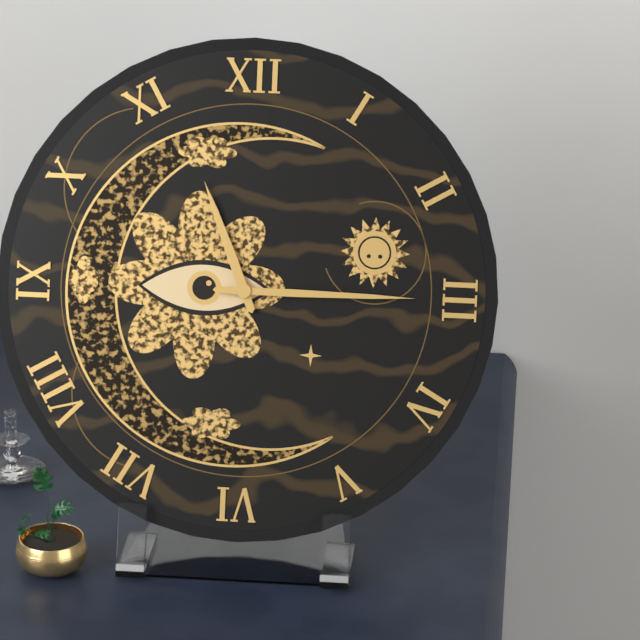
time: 11:15
